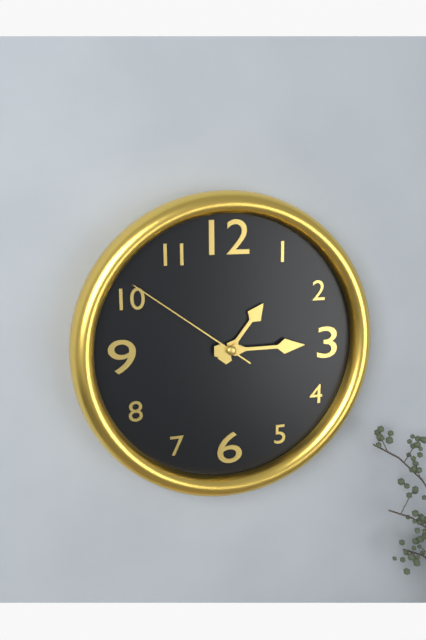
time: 1:15:51
